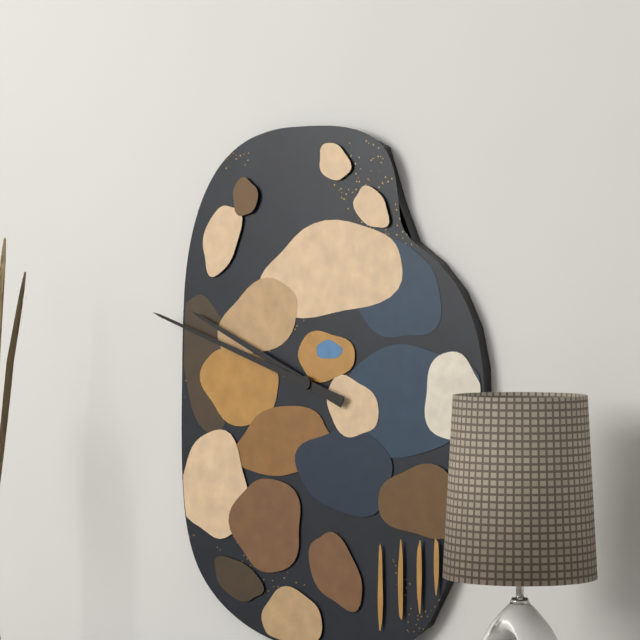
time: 9:48
